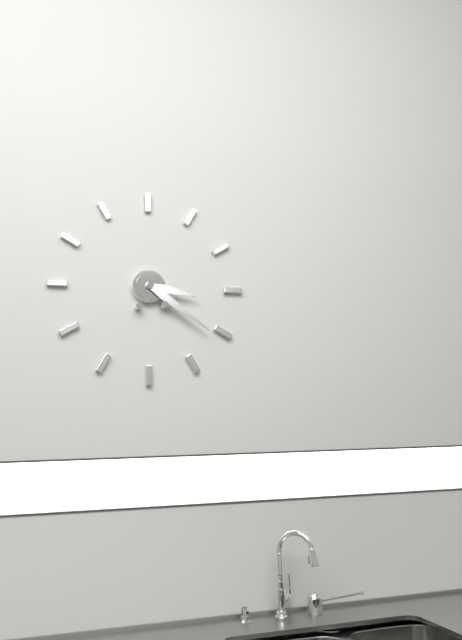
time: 3:21
